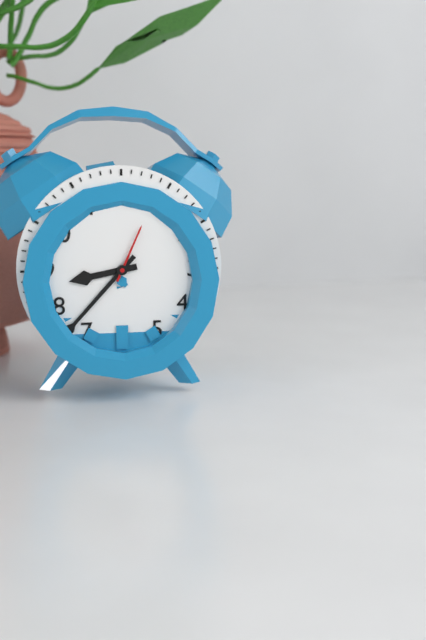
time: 8:37:04
